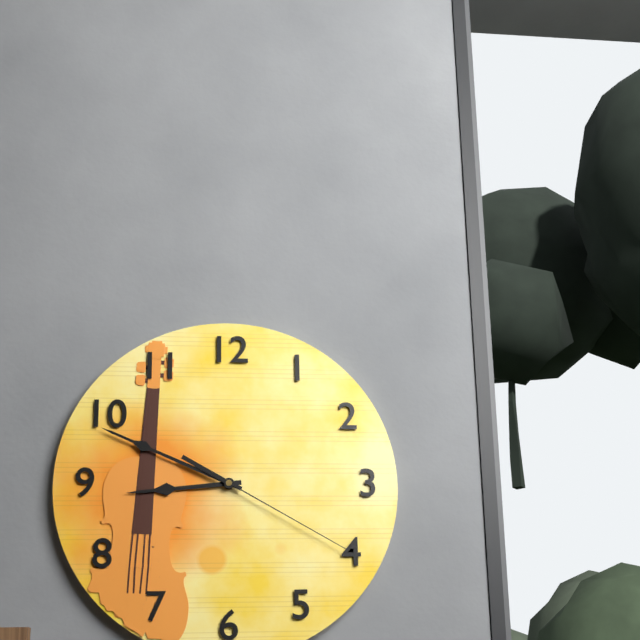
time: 8:49:20
